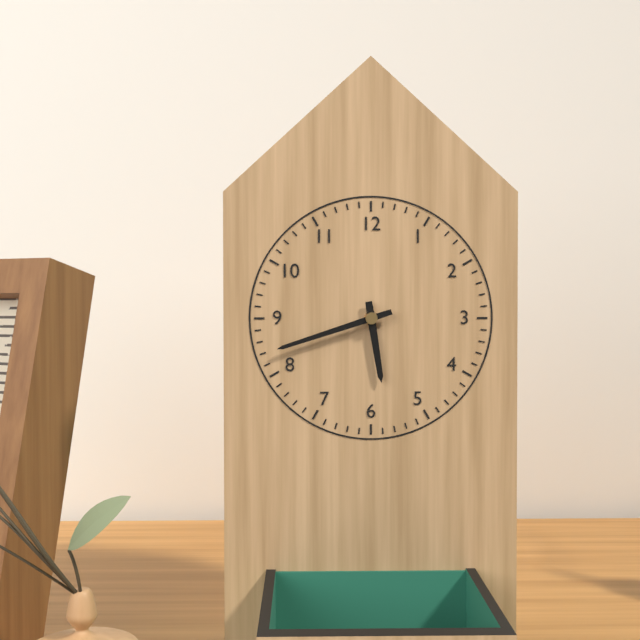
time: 5:42
